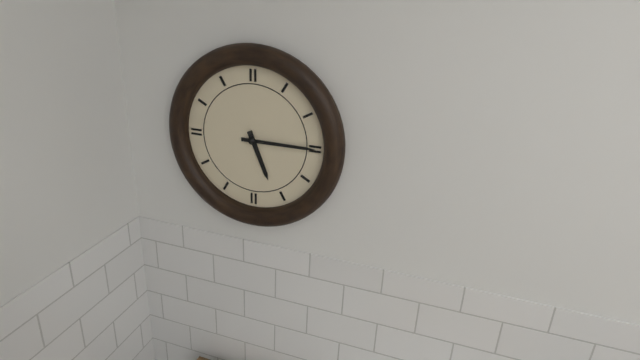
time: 5:15
